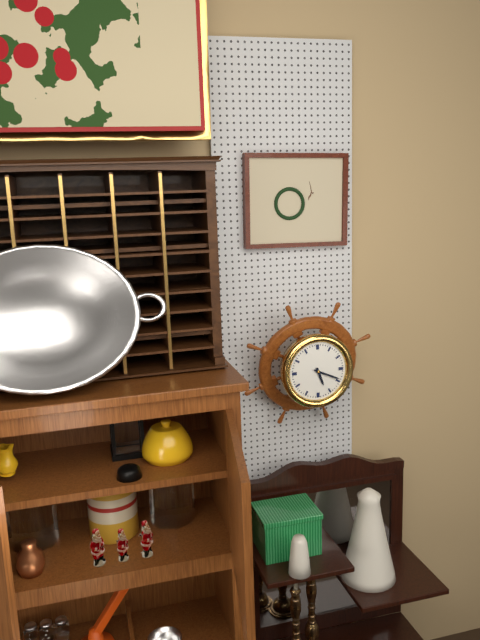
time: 5:19
